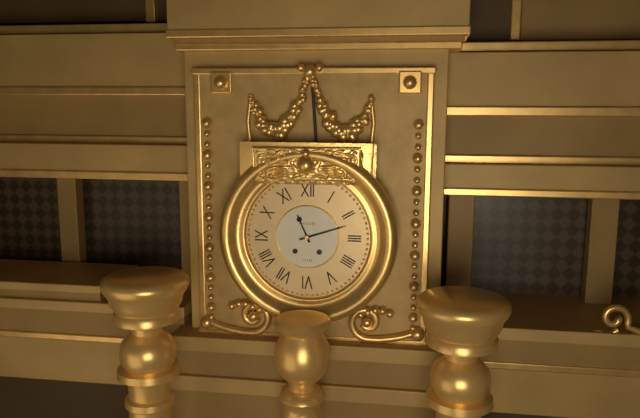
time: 11:12
